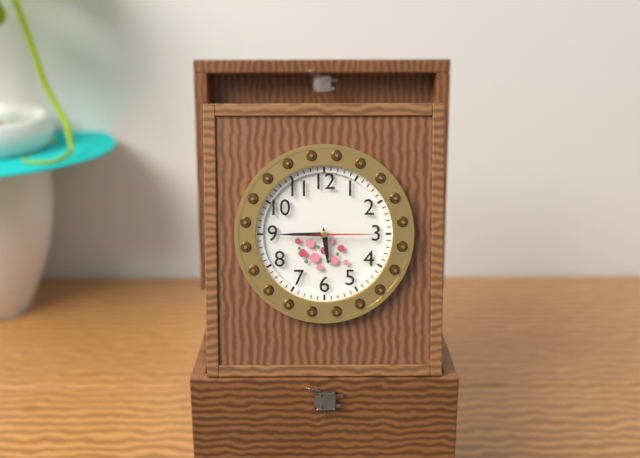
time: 5:45:15
